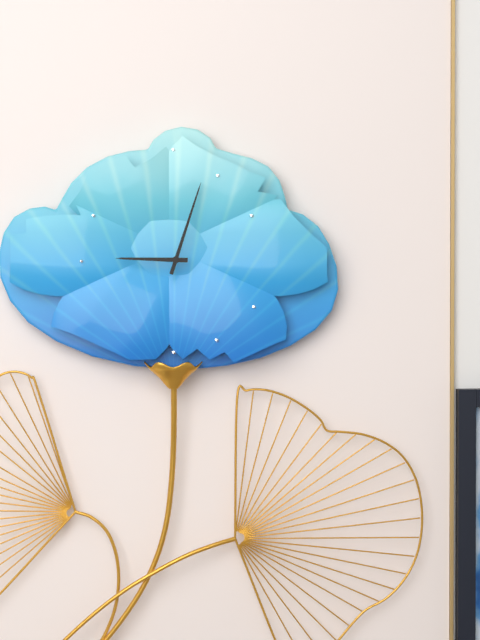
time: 9:03
